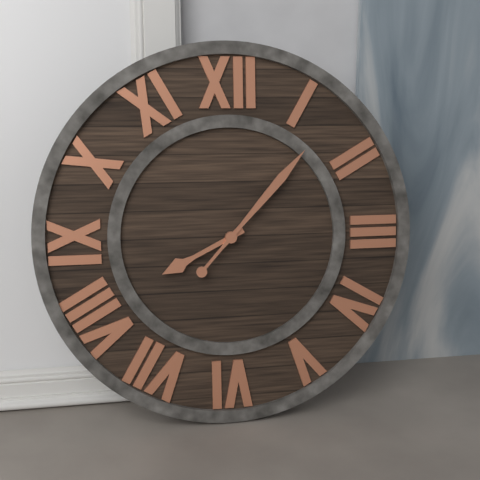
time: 8:07
